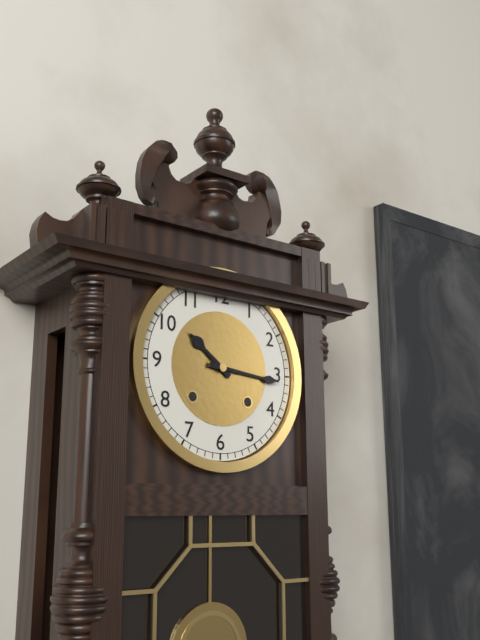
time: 10:16
